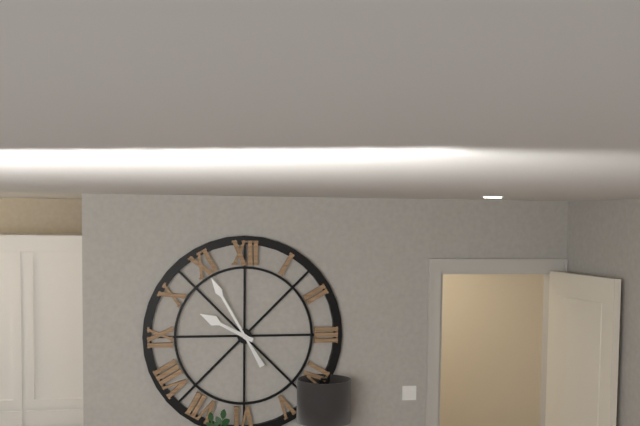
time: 9:55
